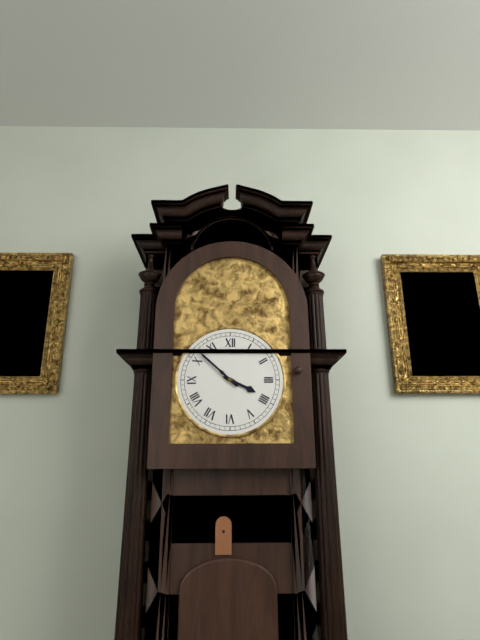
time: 3:52
